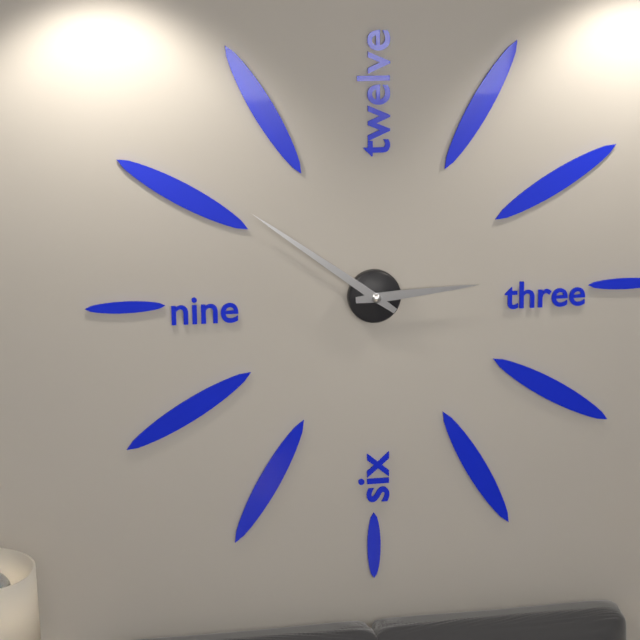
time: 2:51
